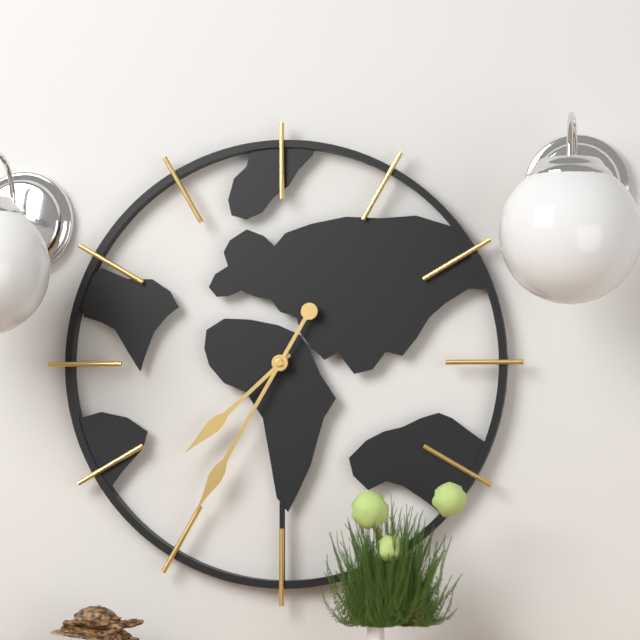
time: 7:35
